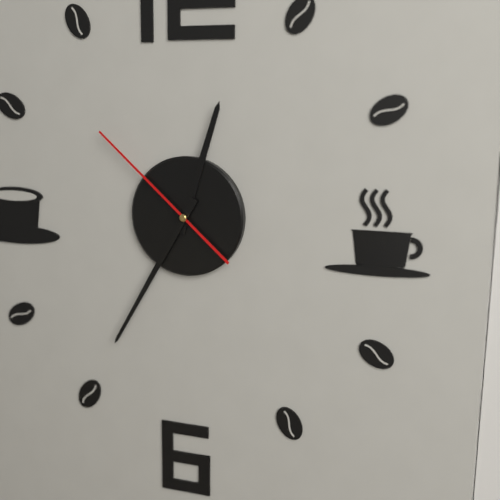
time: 12:35:52
